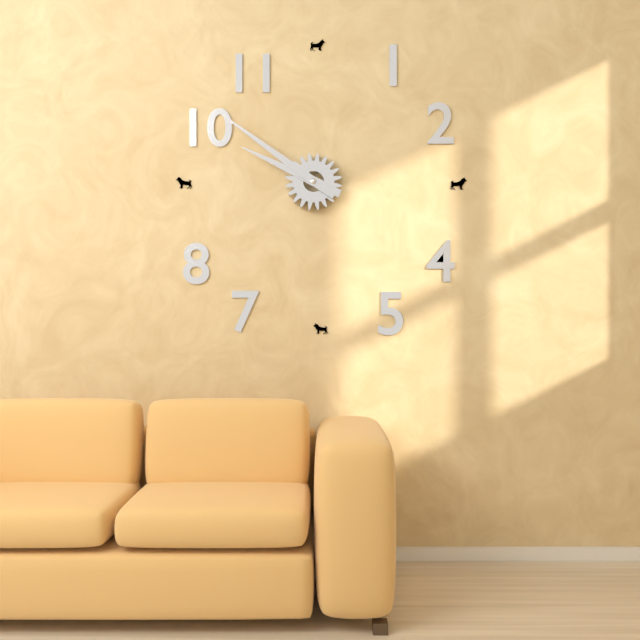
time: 9:51
